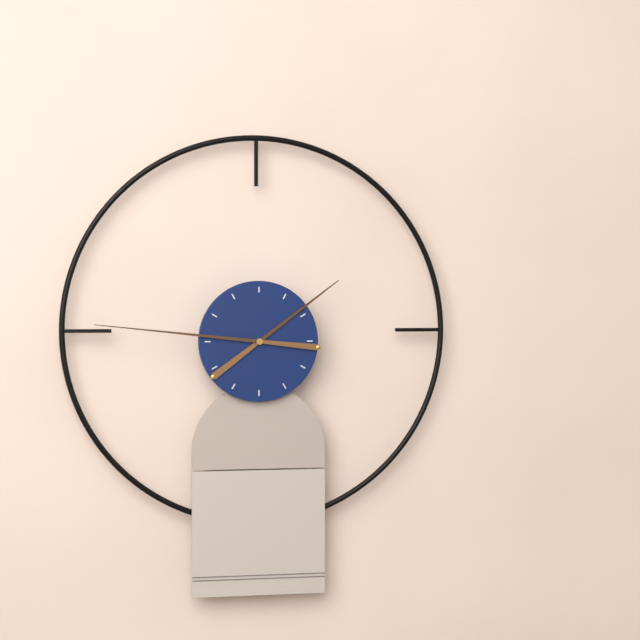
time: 1:46
